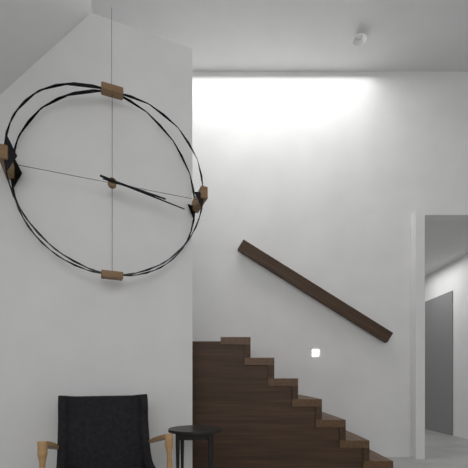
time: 3:17
